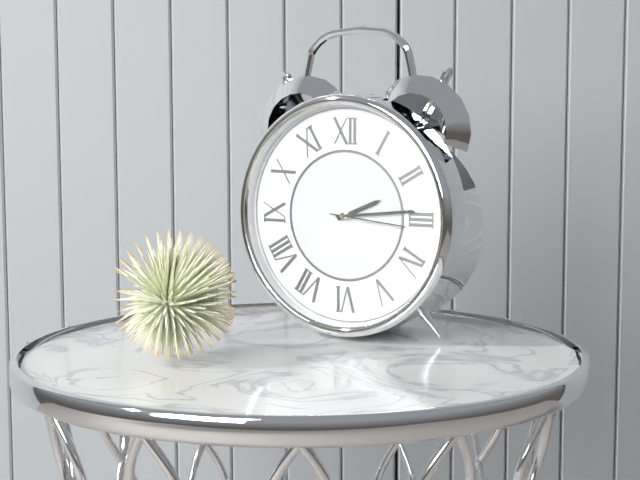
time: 2:14:16
